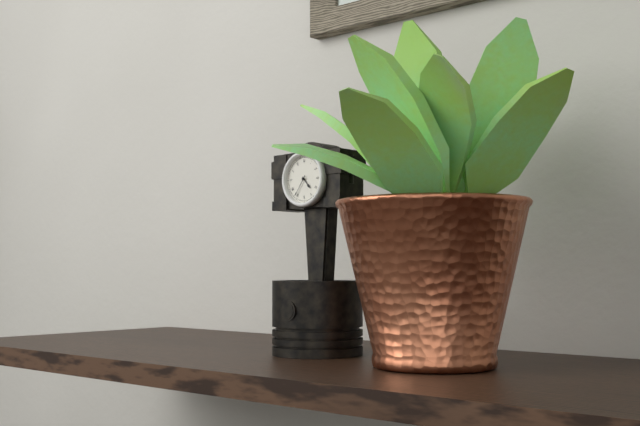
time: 4:36
